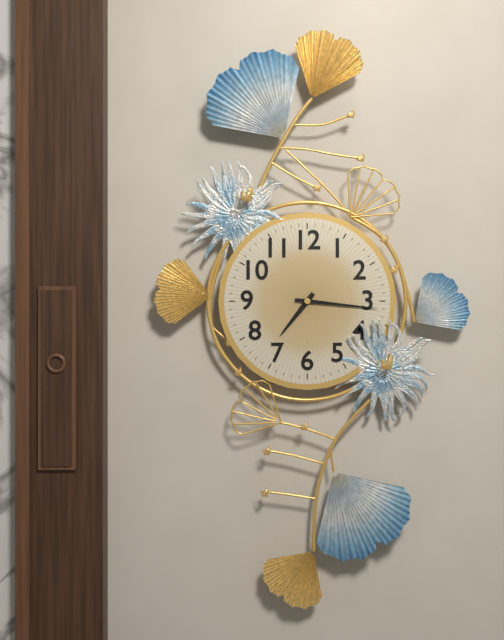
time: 7:16
